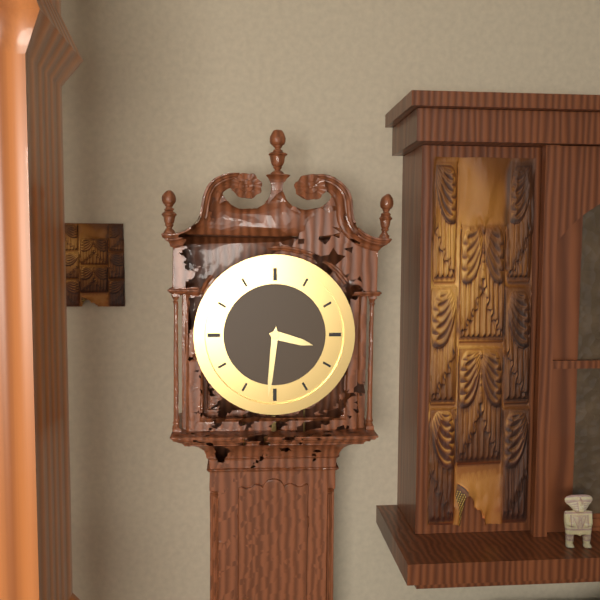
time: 3:31
